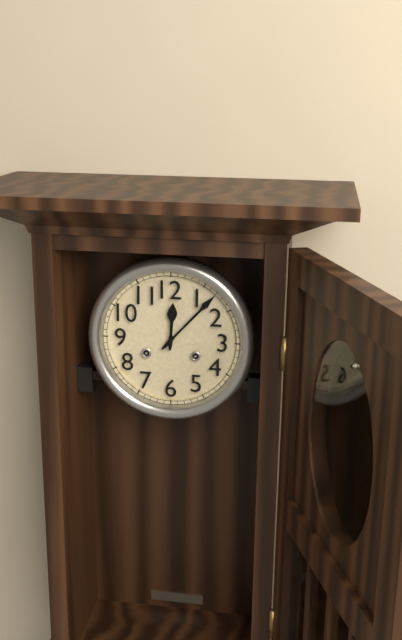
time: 12:07
